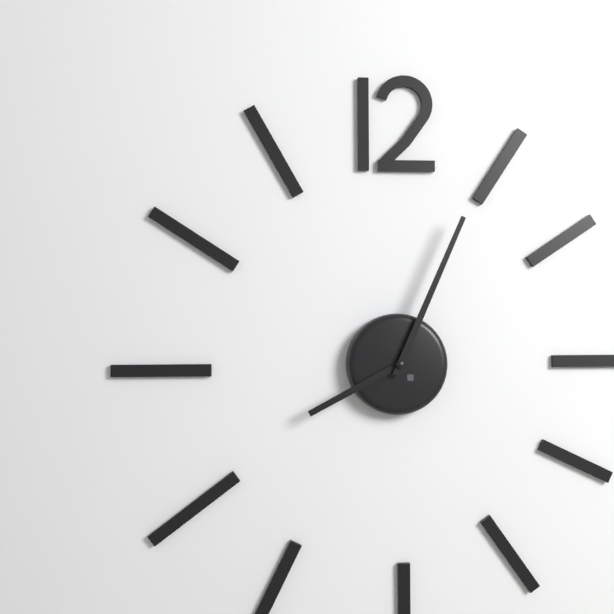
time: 8:04
